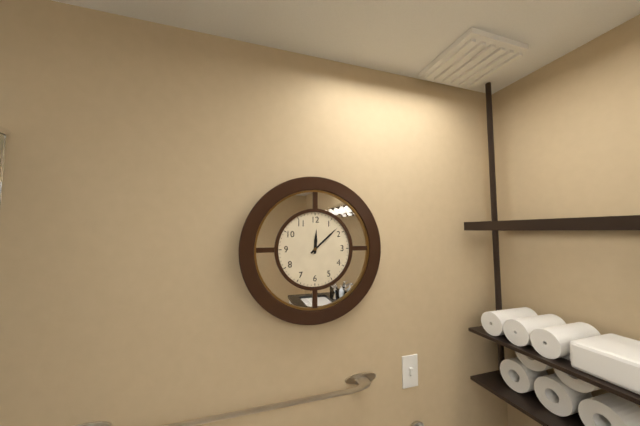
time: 12:08
